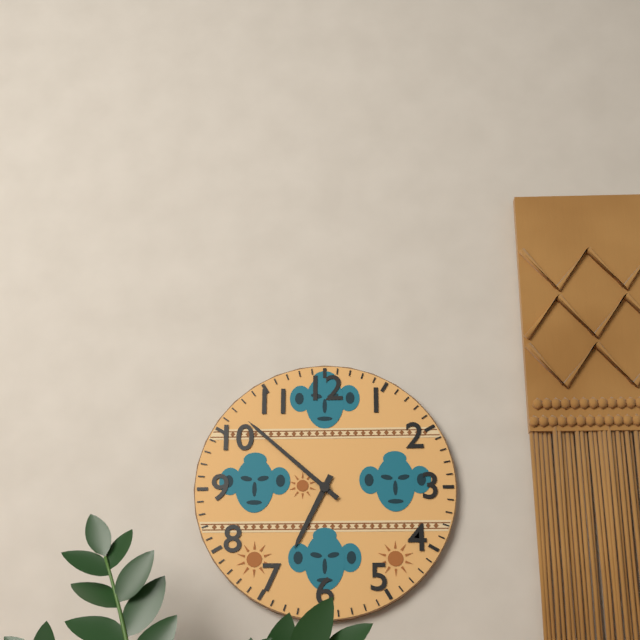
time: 6:52
